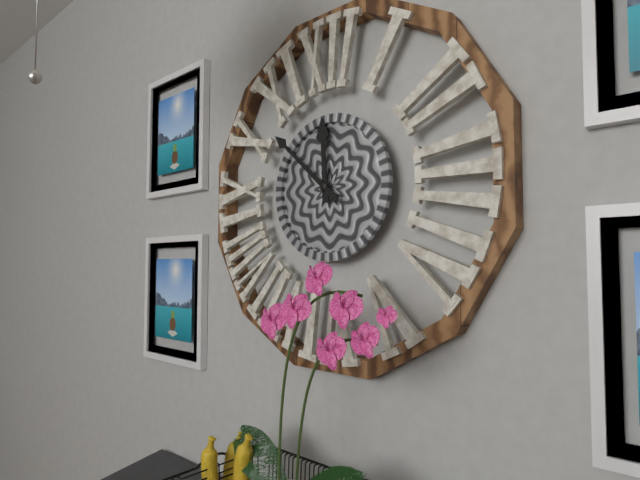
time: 11:52
